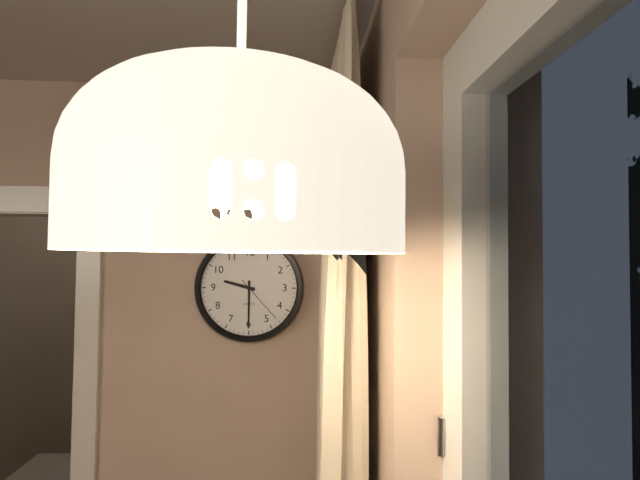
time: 9:30:23
